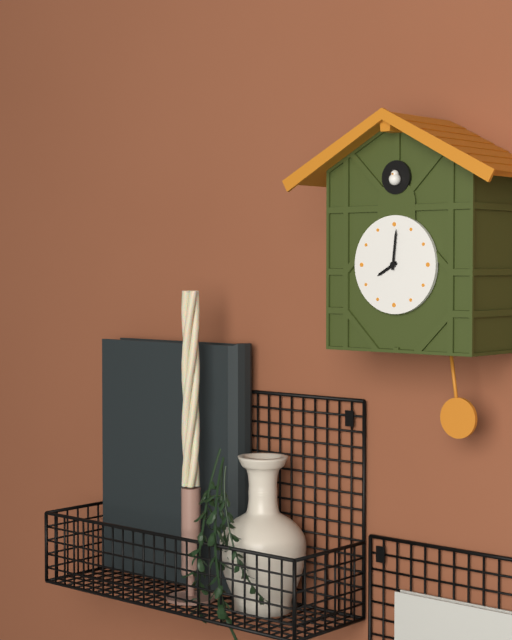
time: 8:01
